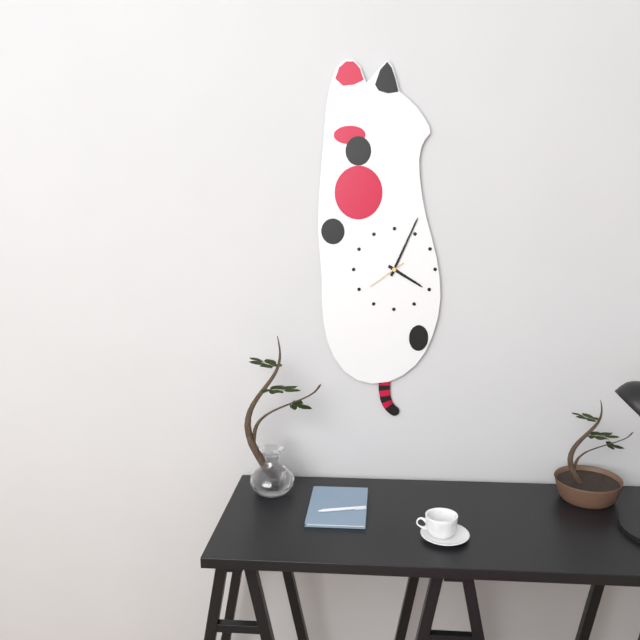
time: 4:04
